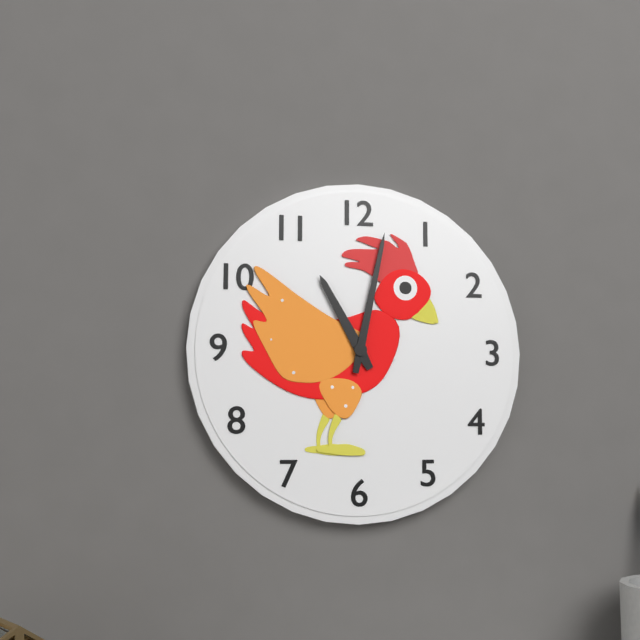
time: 11:02
